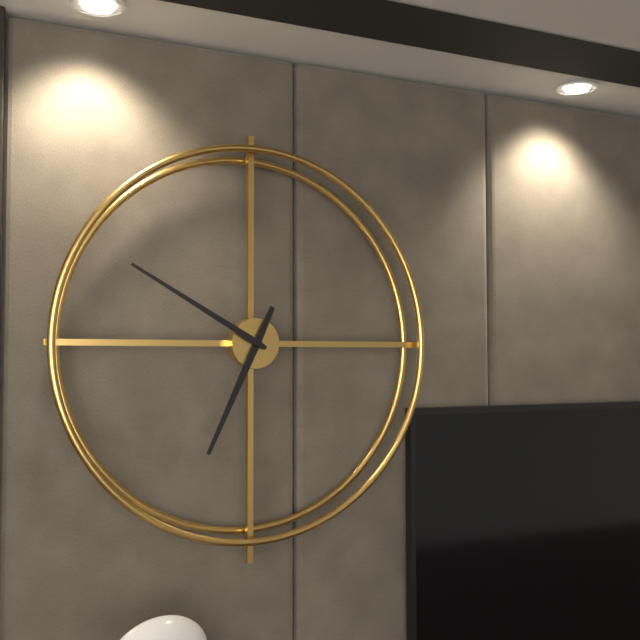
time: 6:50
